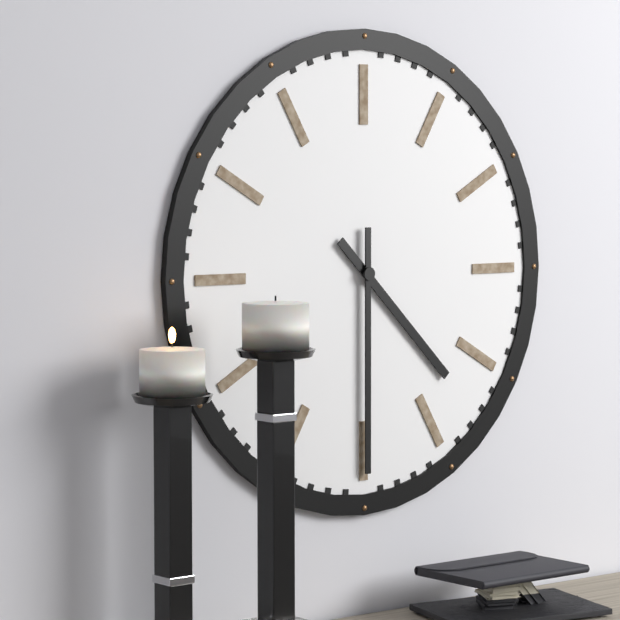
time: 4:30
